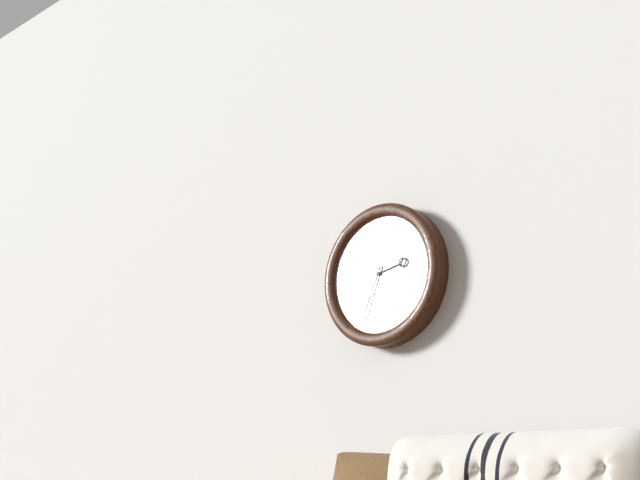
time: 2:34
